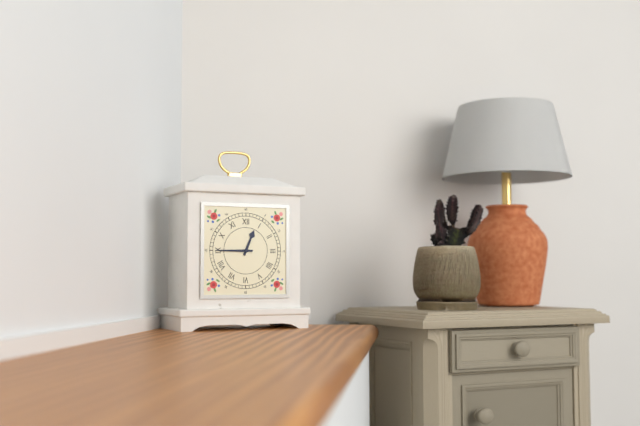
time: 12:45
